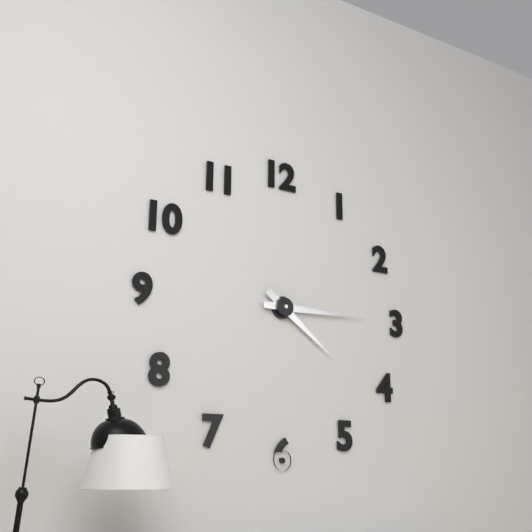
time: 4:15
